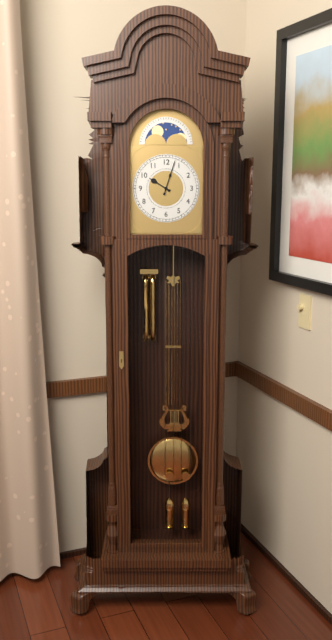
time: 10:03
